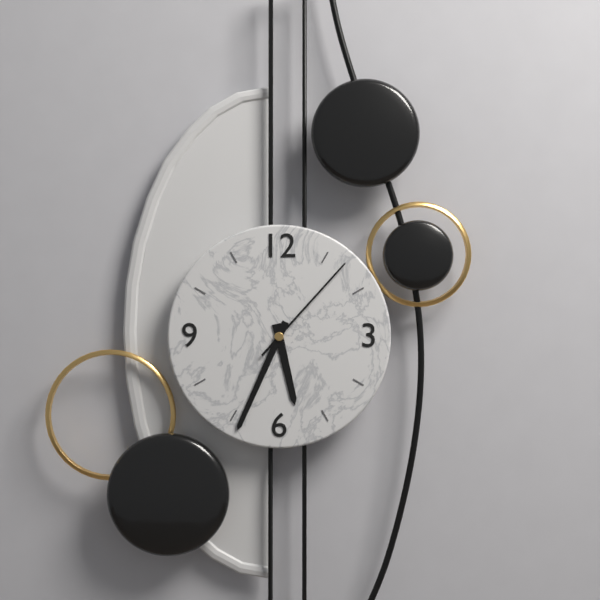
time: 5:34:07
